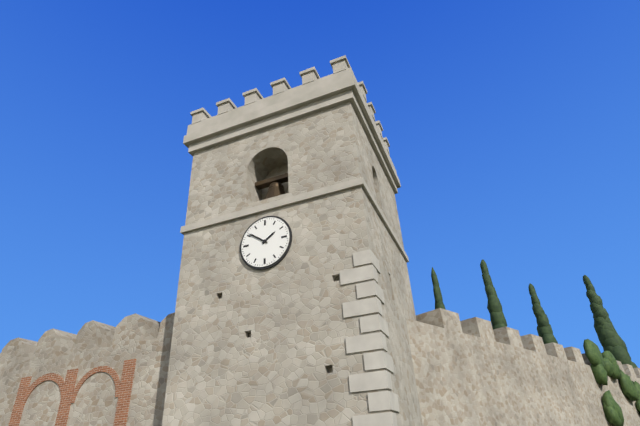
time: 1:51
